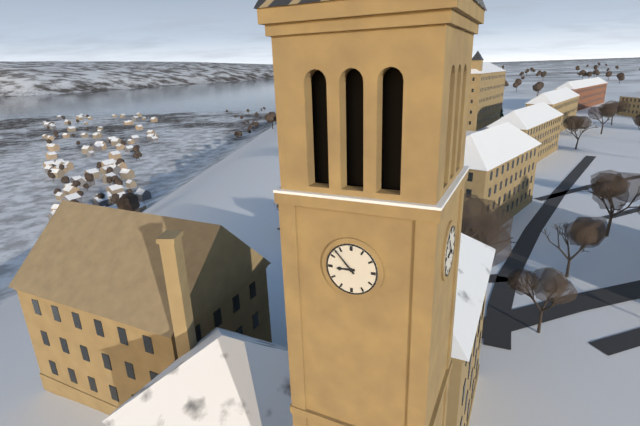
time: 8:53
